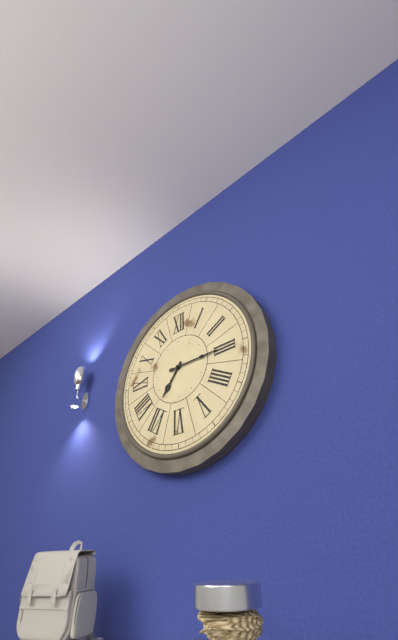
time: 7:15
